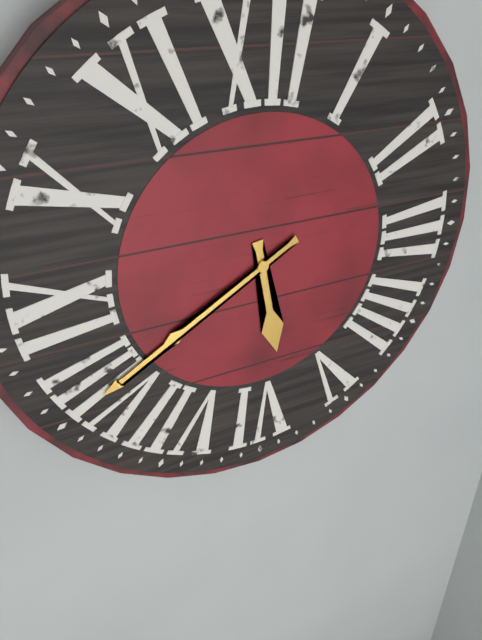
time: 5:40
